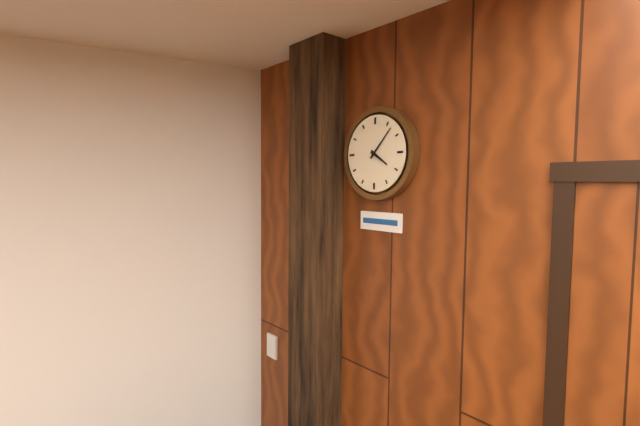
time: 4:07
